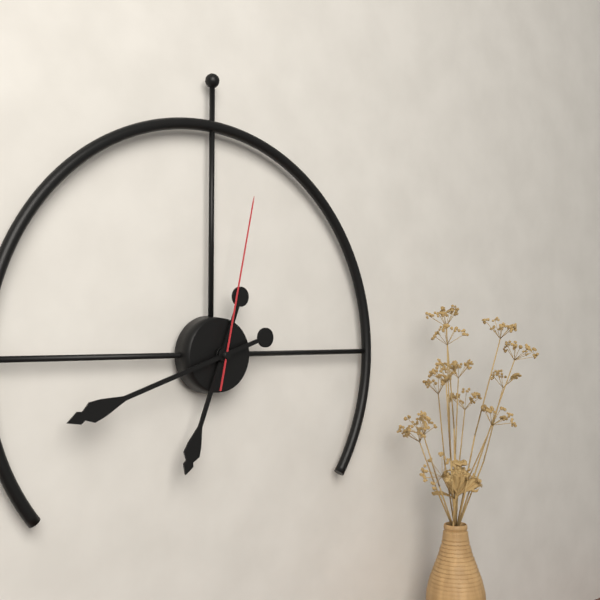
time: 6:42:02
